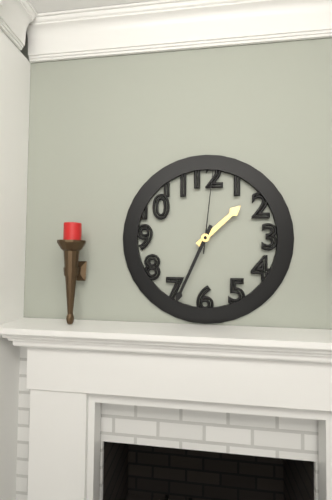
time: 1:34:01
